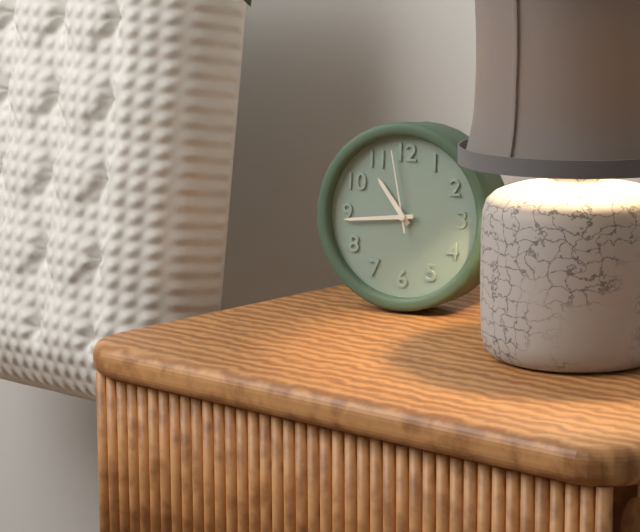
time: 10:44:58
